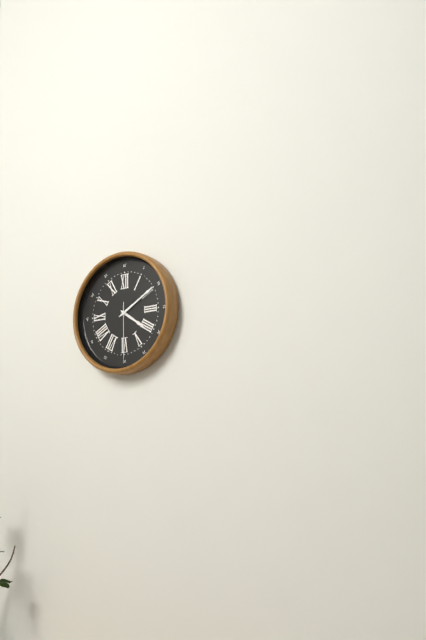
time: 4:10:30
